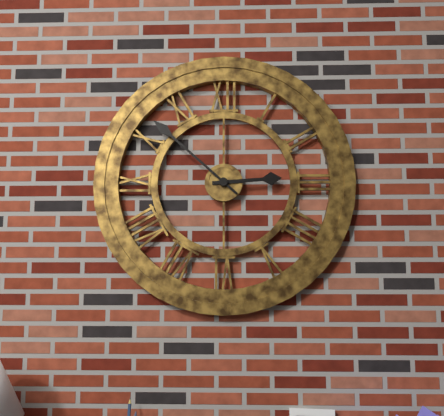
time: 2:52
